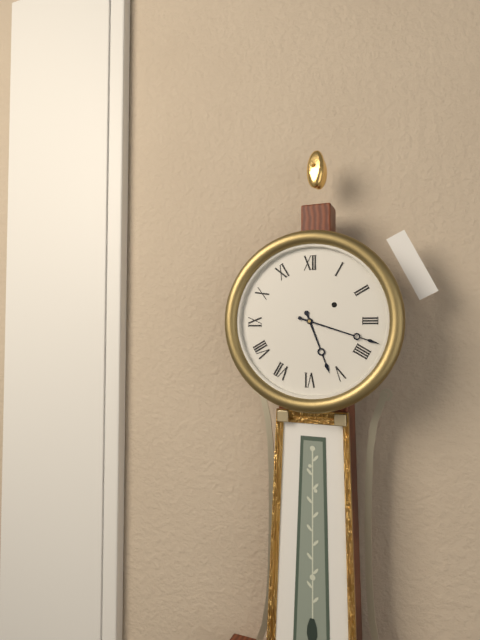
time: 5:18
